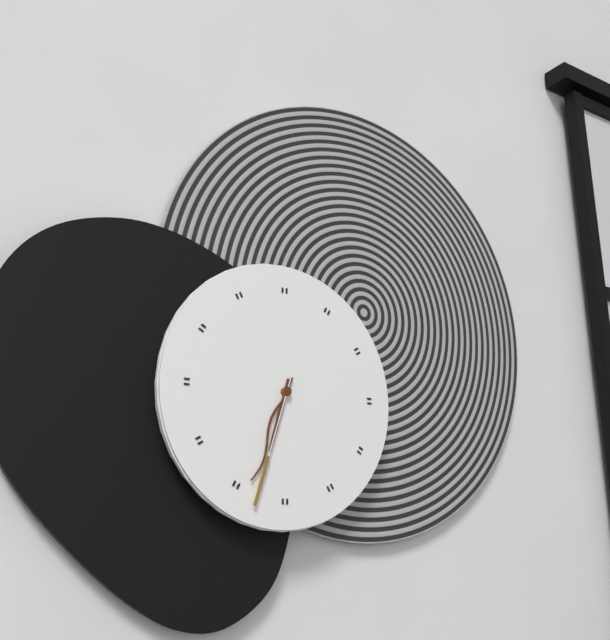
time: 6:34:33
